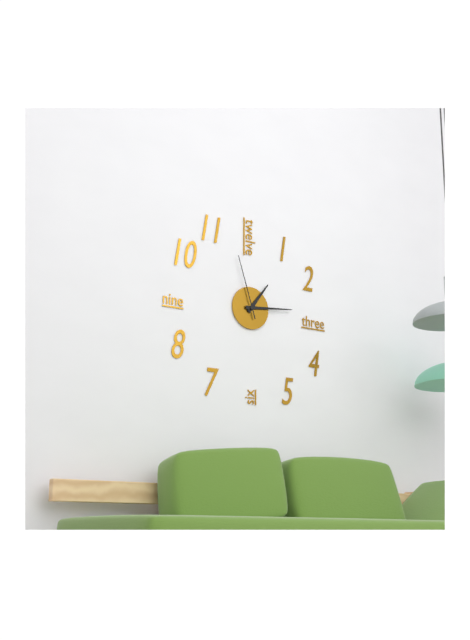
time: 1:14:57
